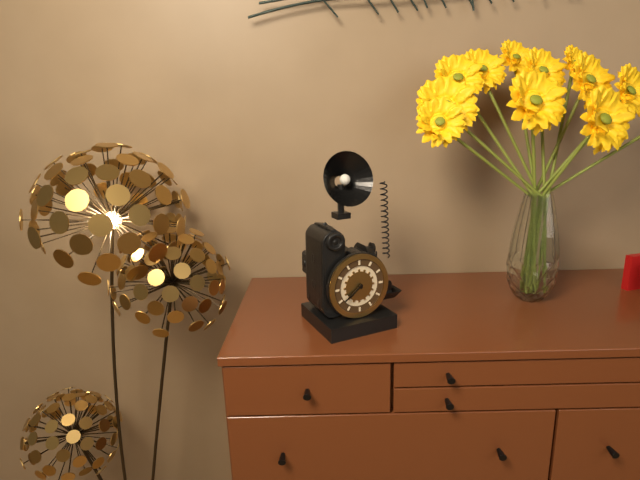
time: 7:39
